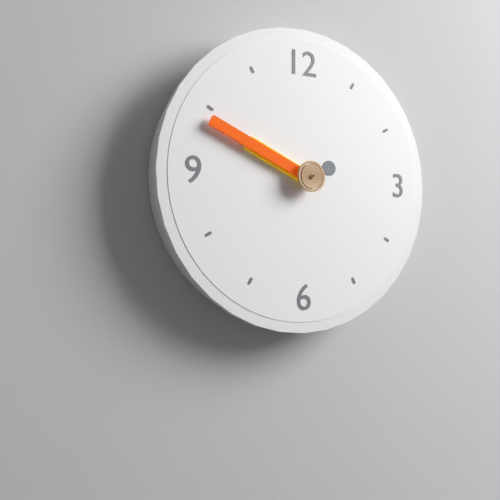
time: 9:49
